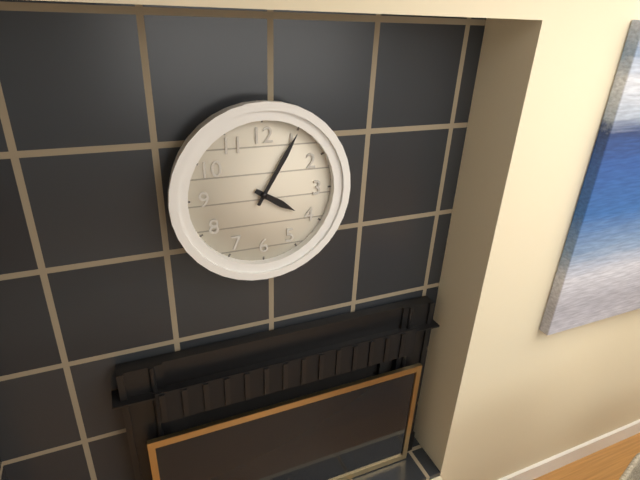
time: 4:05
